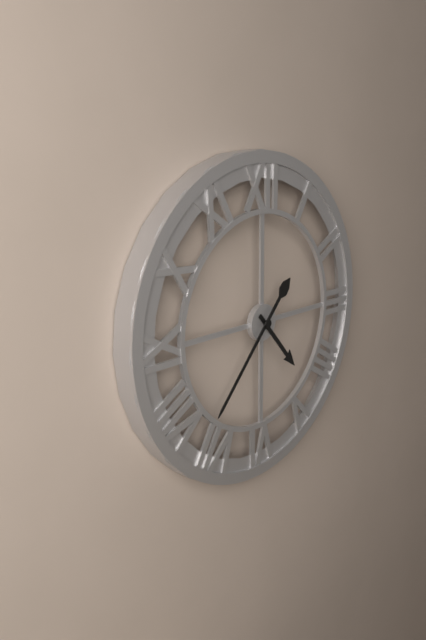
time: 4:37
